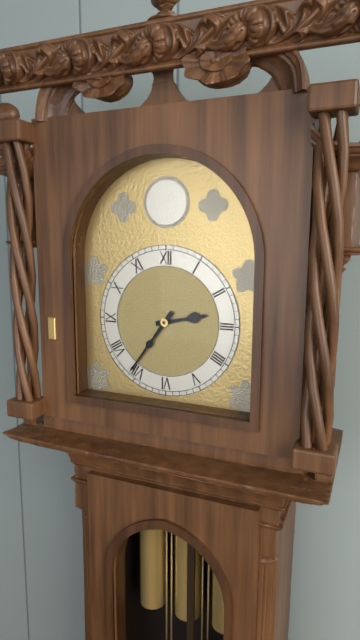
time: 2:36
